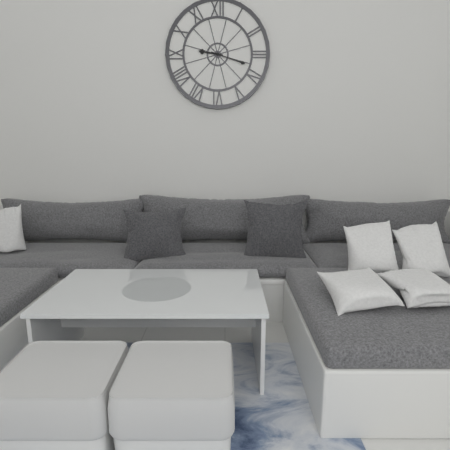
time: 9:18
